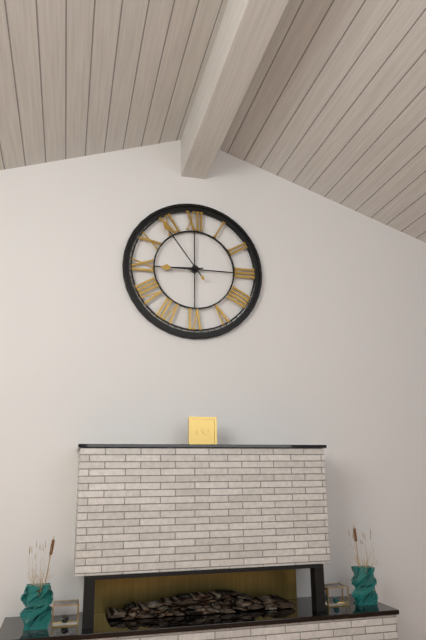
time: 8:54
